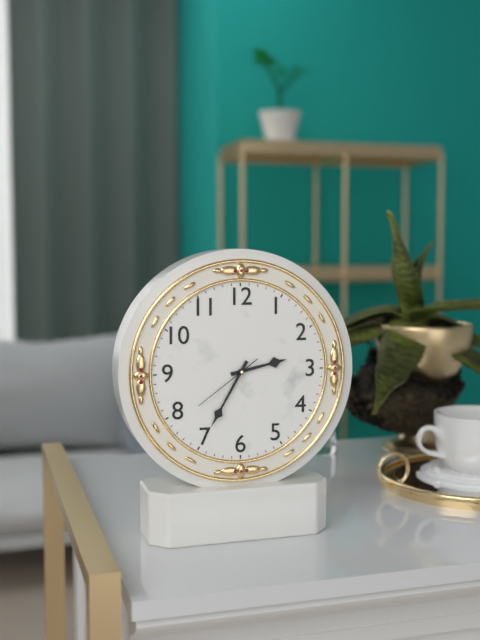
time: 2:35:39
